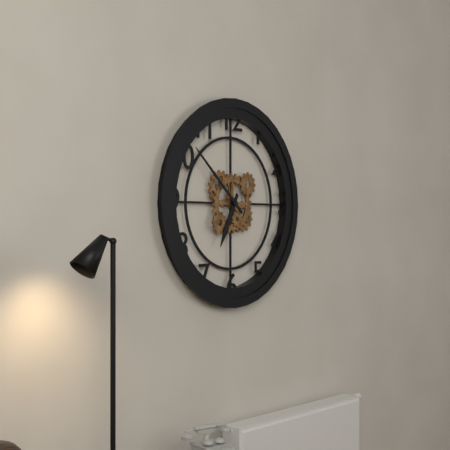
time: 6:52
